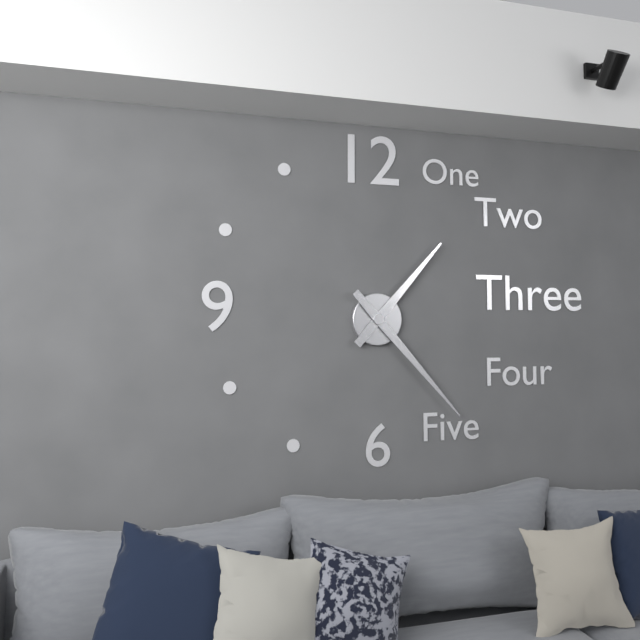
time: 1:23
